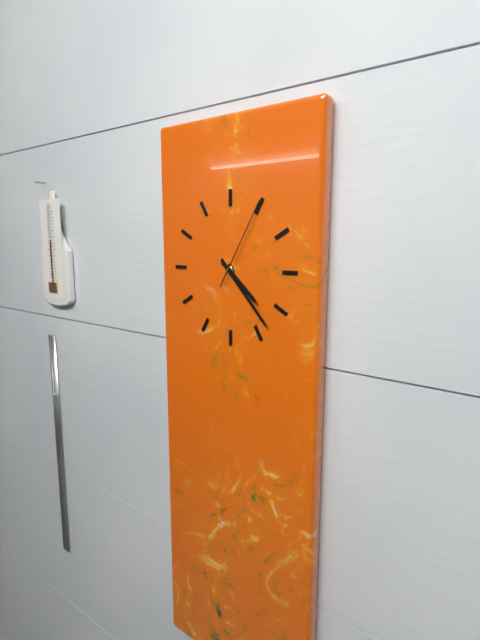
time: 4:23:05
